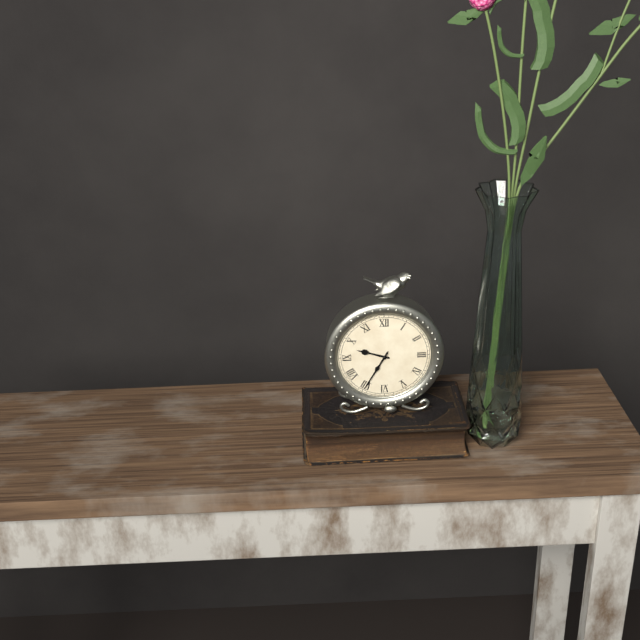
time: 9:35
